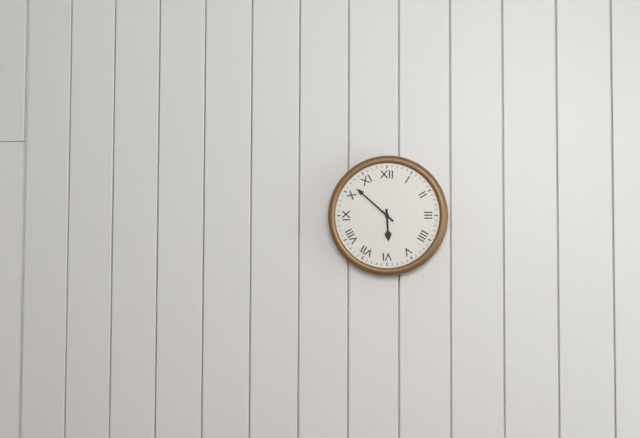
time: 5:52
